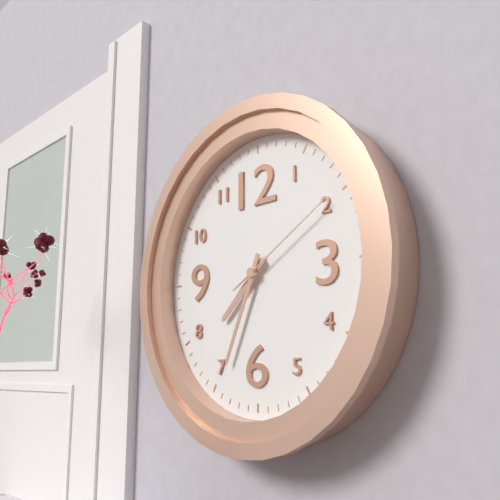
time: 7:34:10
